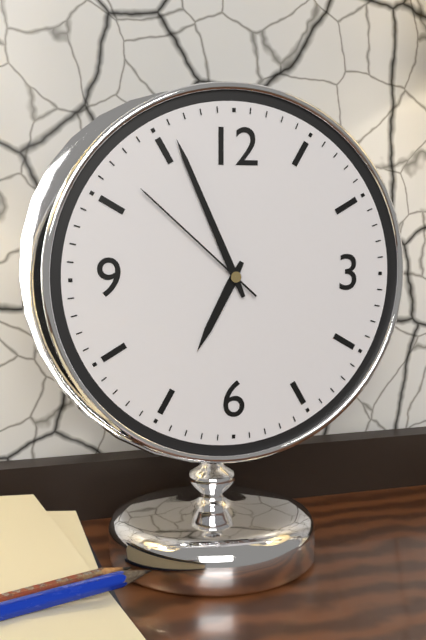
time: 6:56:52
